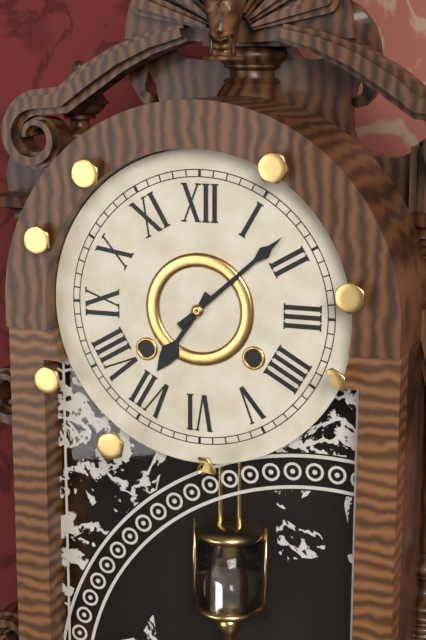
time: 7:08
